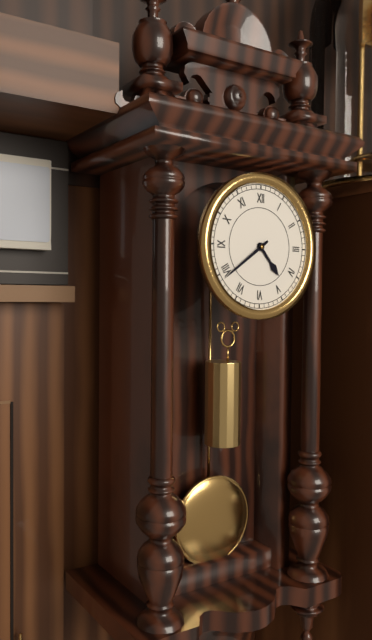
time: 4:39
